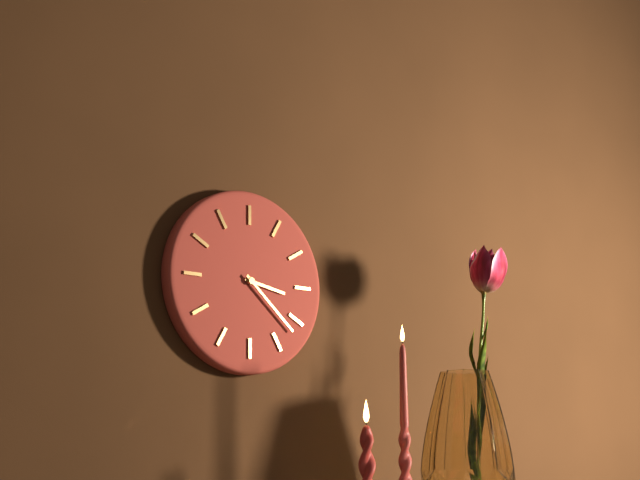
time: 3:22
